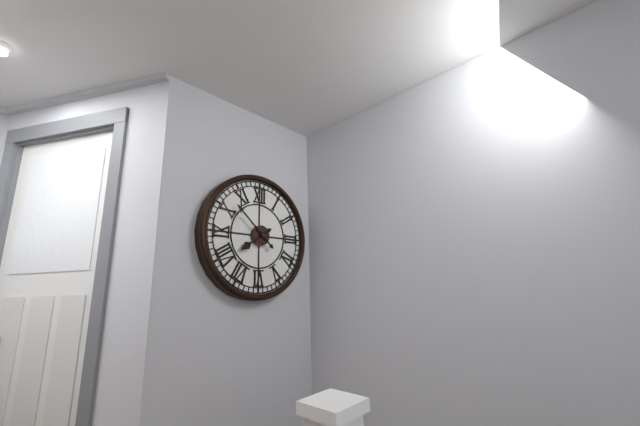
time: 7:52
